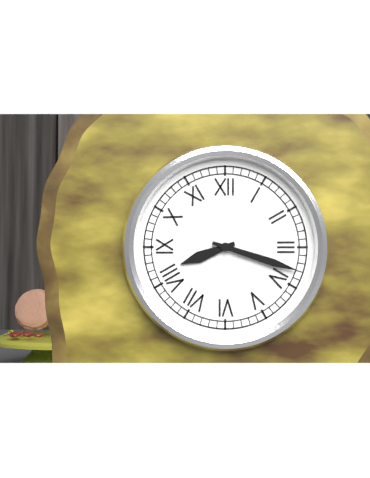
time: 8:18
